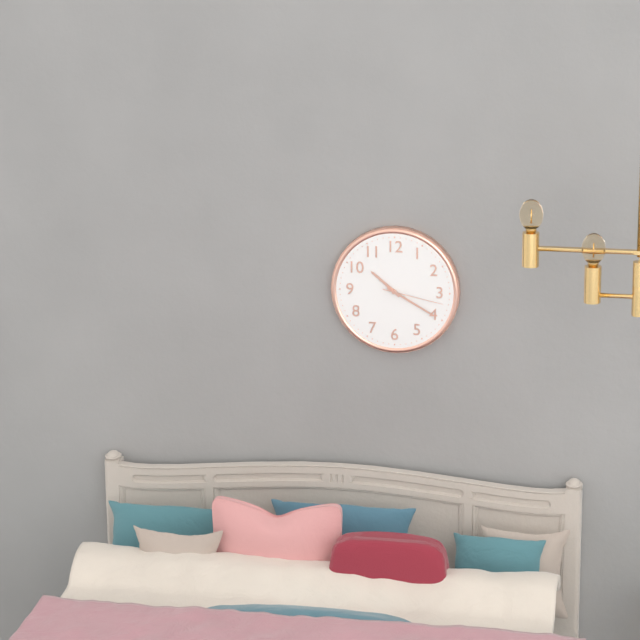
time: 10:20:17
